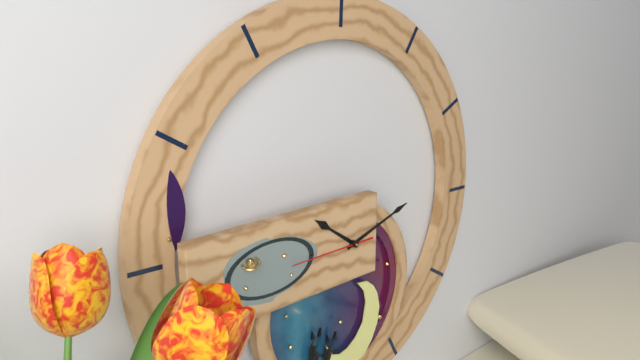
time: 10:12:45
